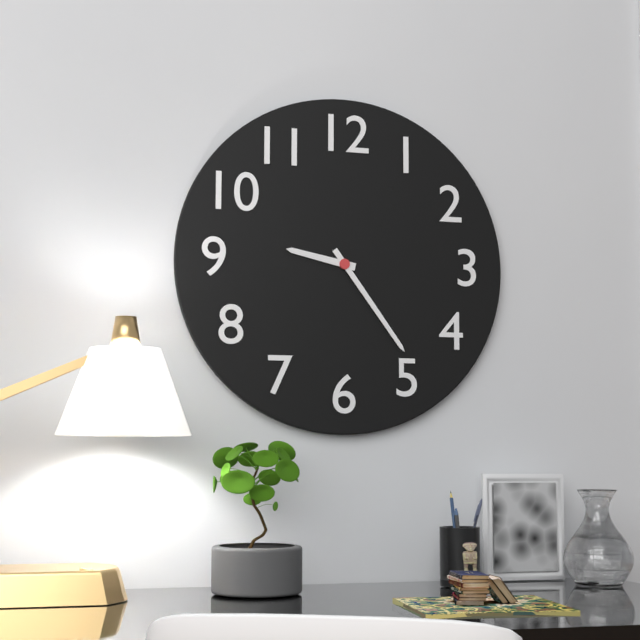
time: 9:24
